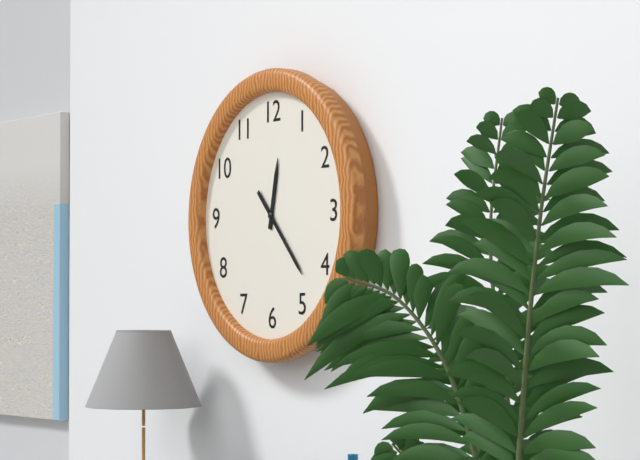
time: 12:23
